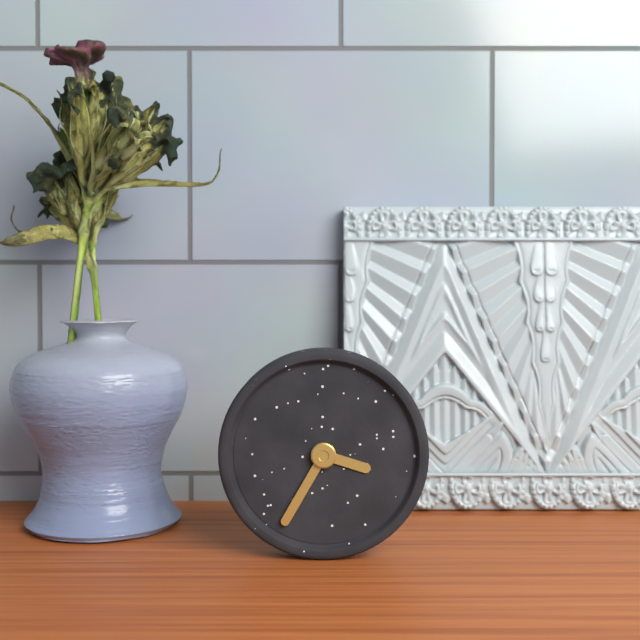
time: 3:35
